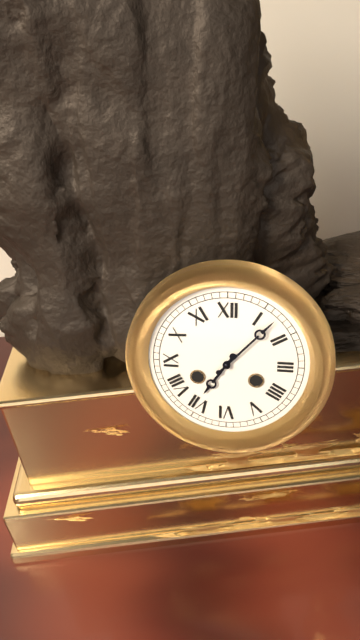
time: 7:07
